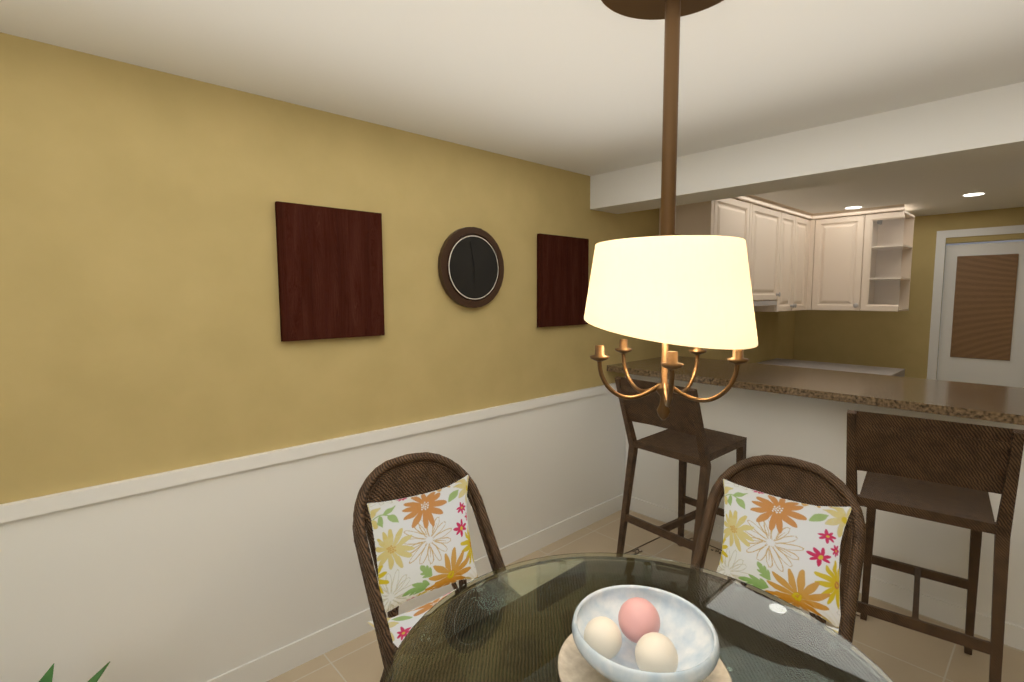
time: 5:58
